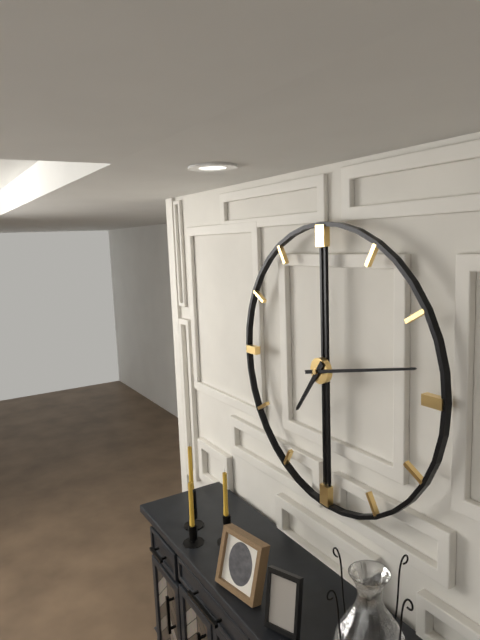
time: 7:13
